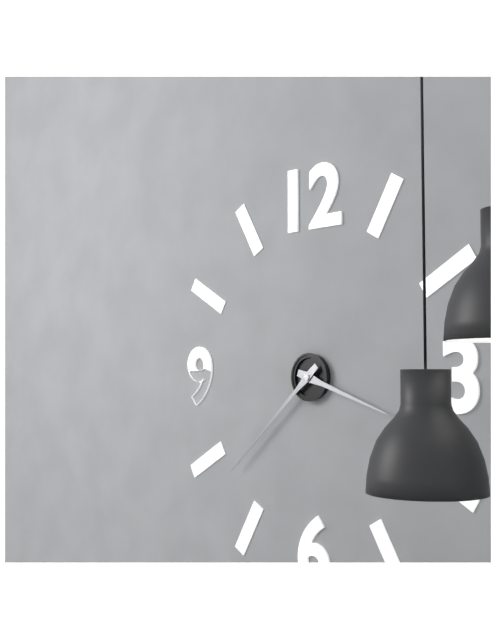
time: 3:38
